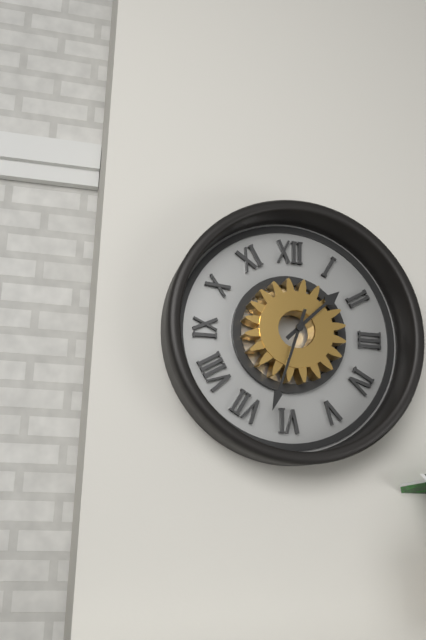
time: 1:33
